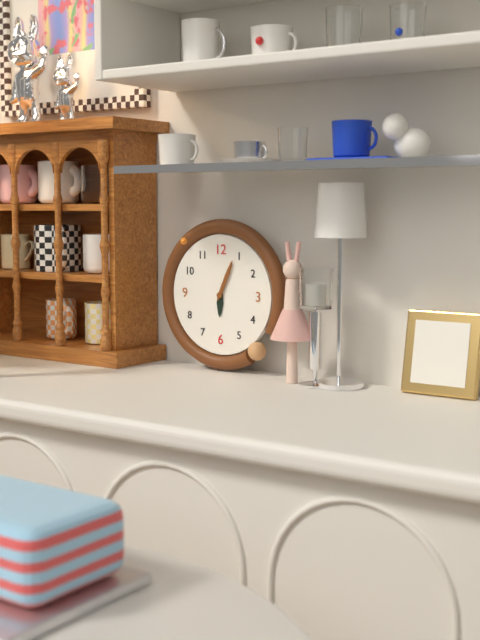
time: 6:04
